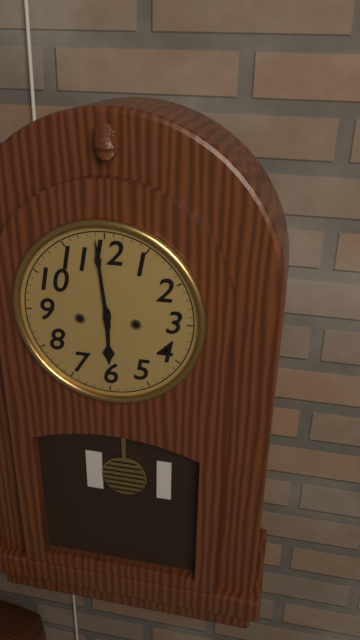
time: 5:59
